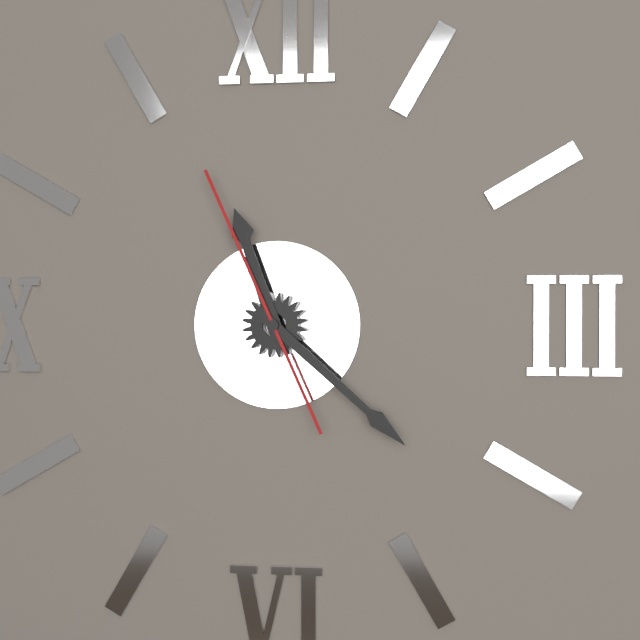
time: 11:22:56
